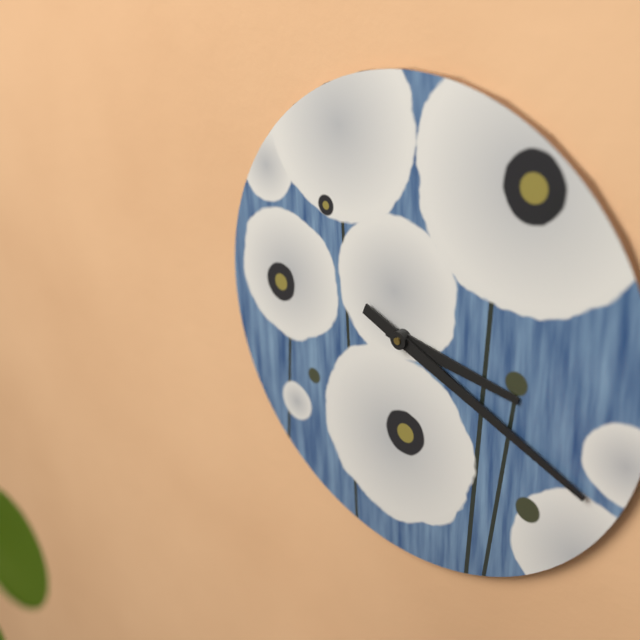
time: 3:19
